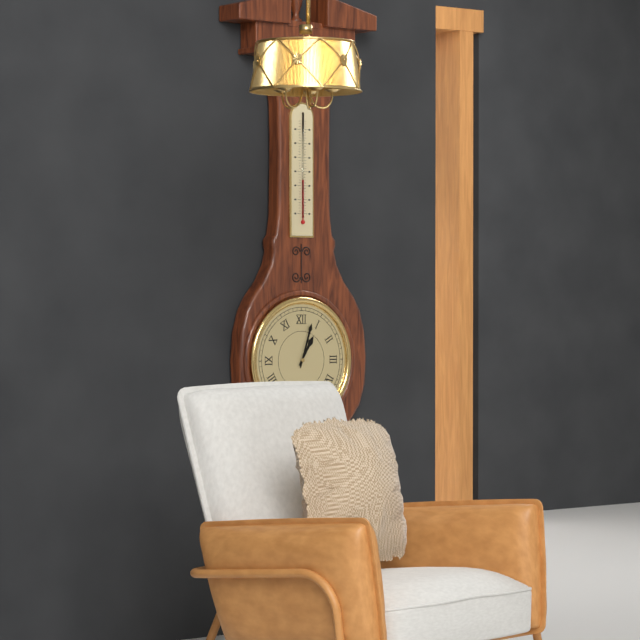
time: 1:03
